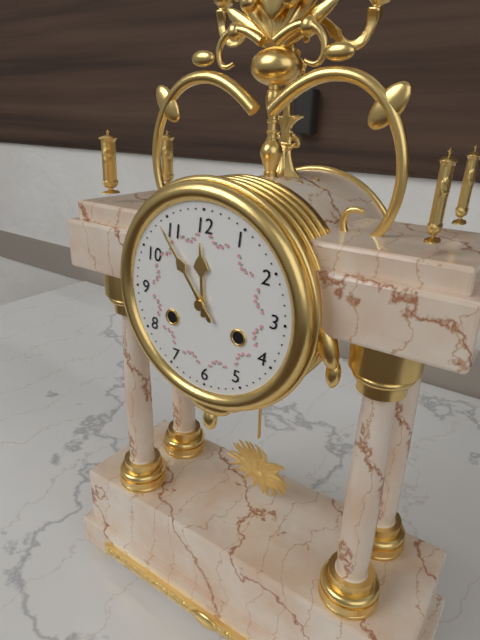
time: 11:54
